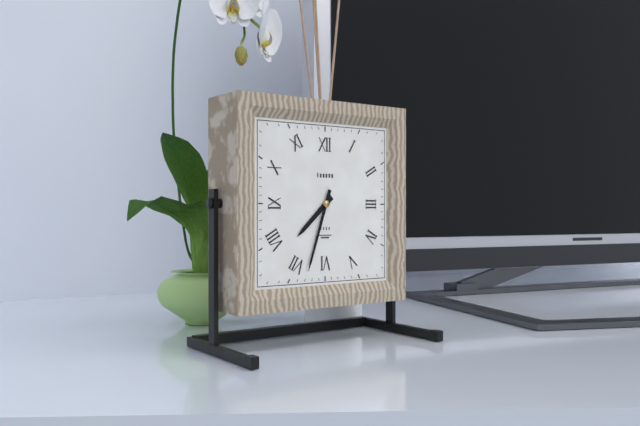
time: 7:33
